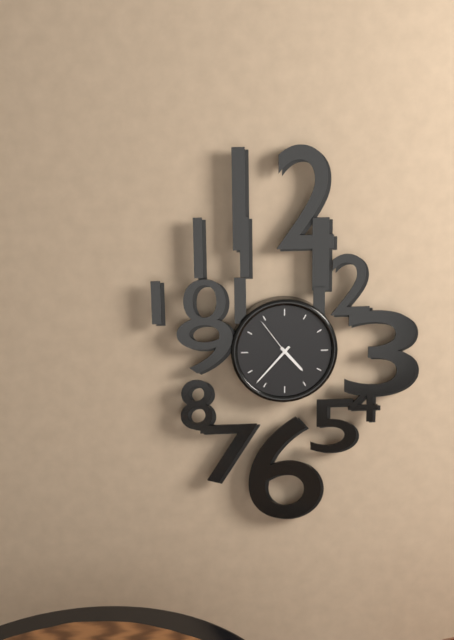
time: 4:37
